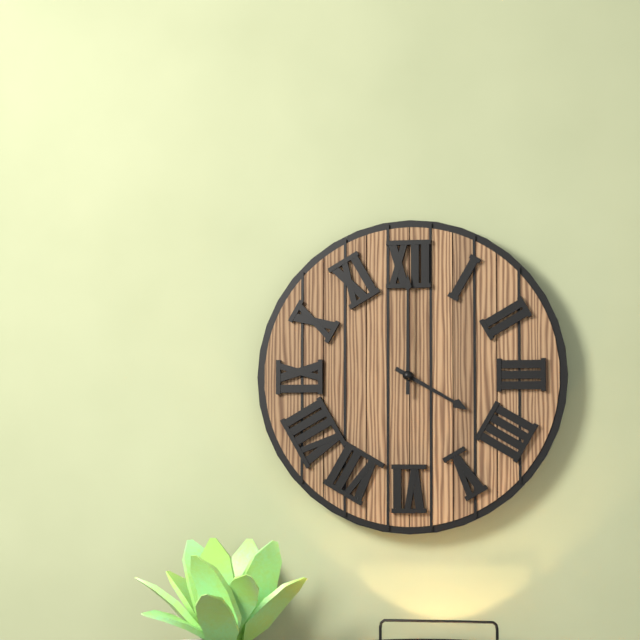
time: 4:00
